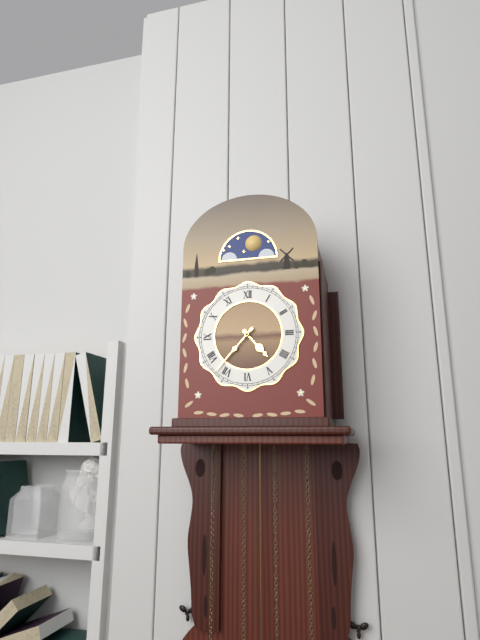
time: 4:37
